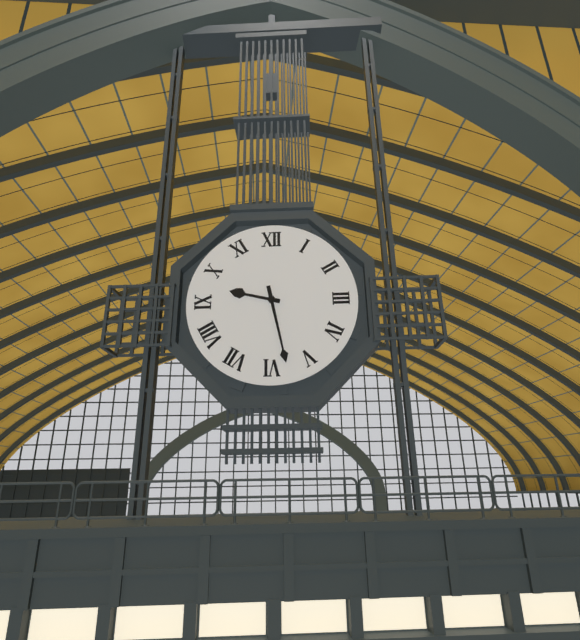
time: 9:28
